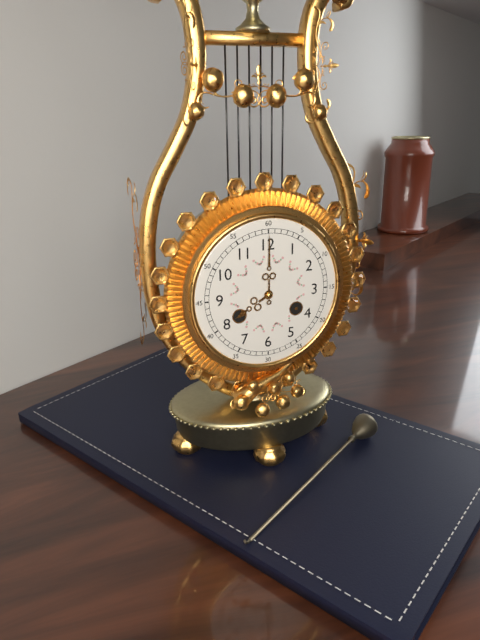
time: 8:00
